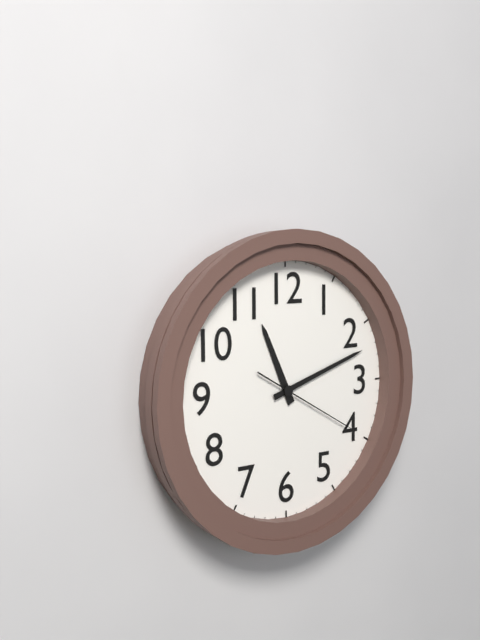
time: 11:12:20
